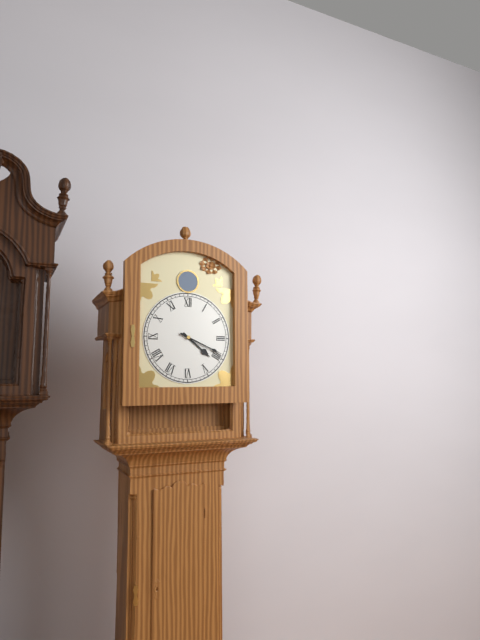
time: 4:19
